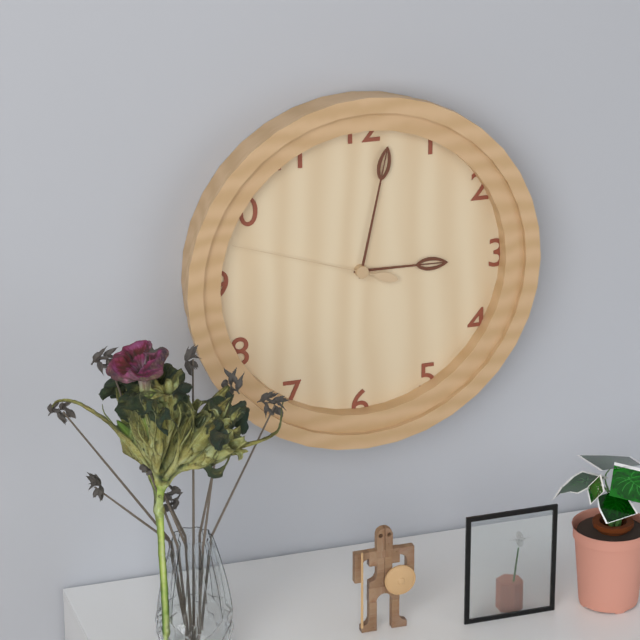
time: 3:02:48
